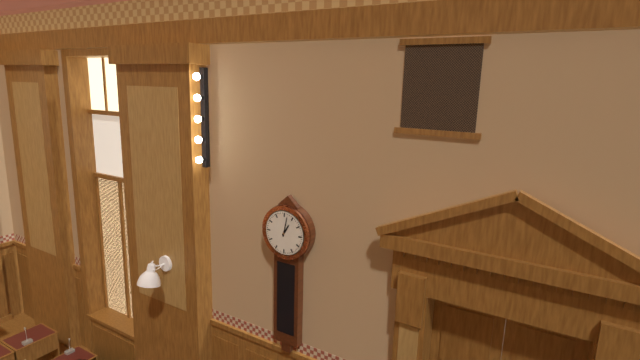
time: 1:02
